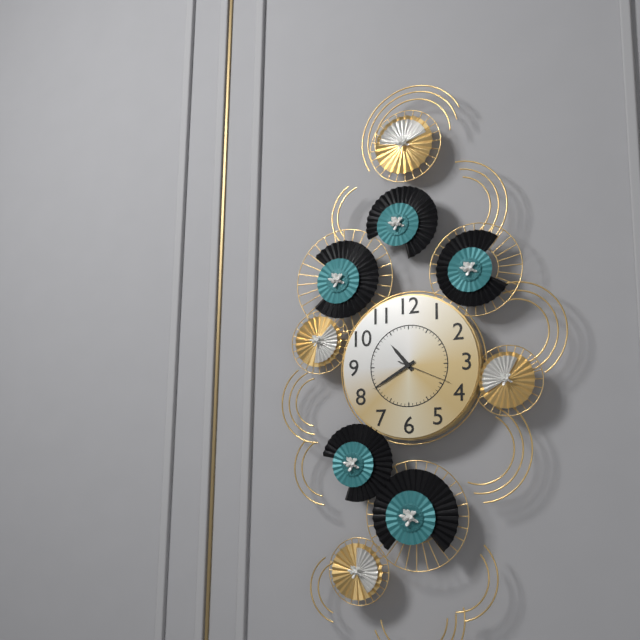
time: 10:40:19
